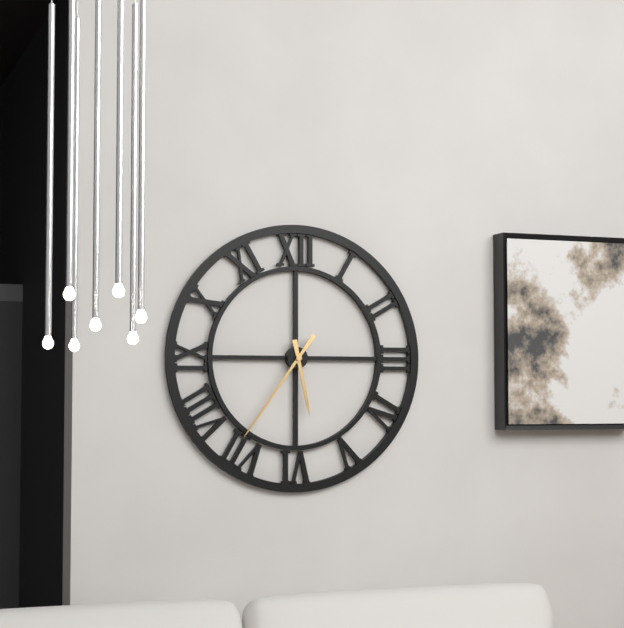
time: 5:36
